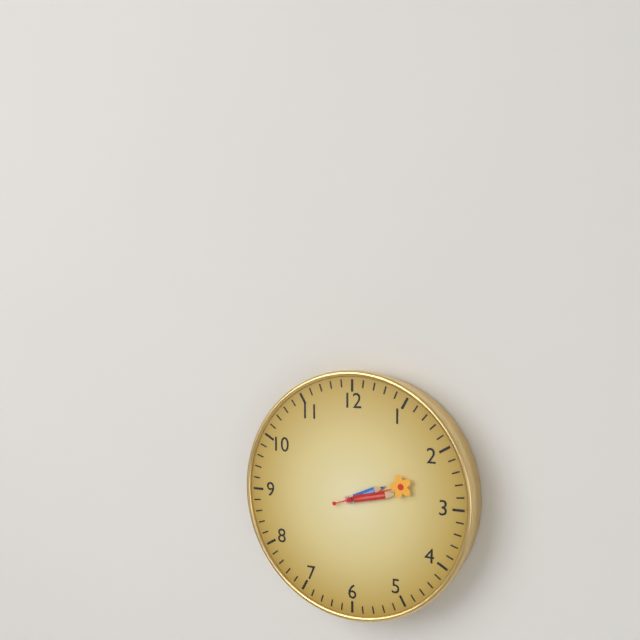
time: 2:13:12
